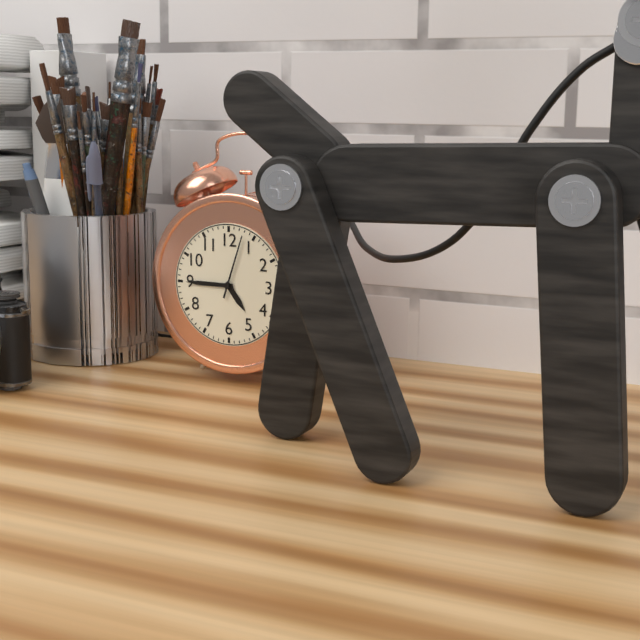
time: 4:45:03
